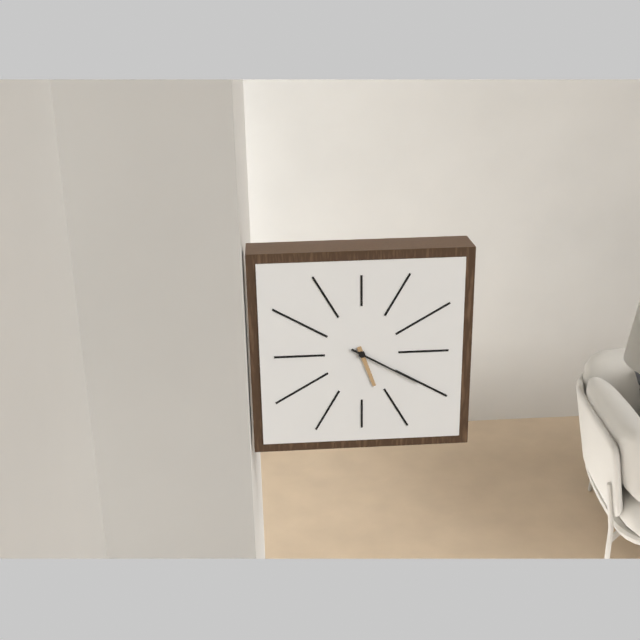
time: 5:20
